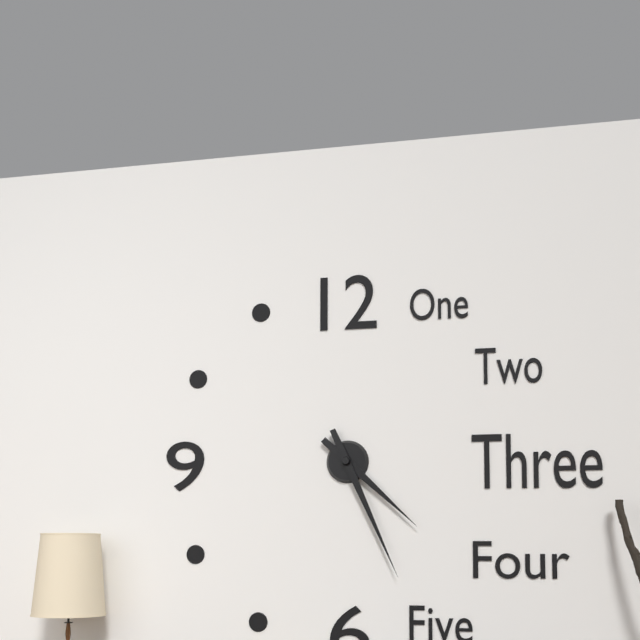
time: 4:26
